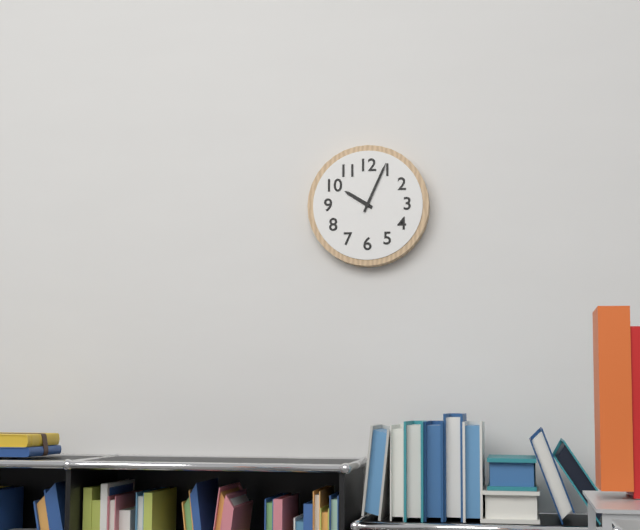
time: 10:04
